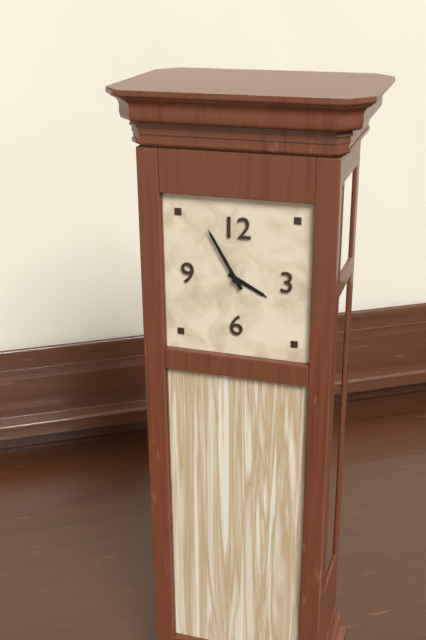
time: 3:55
